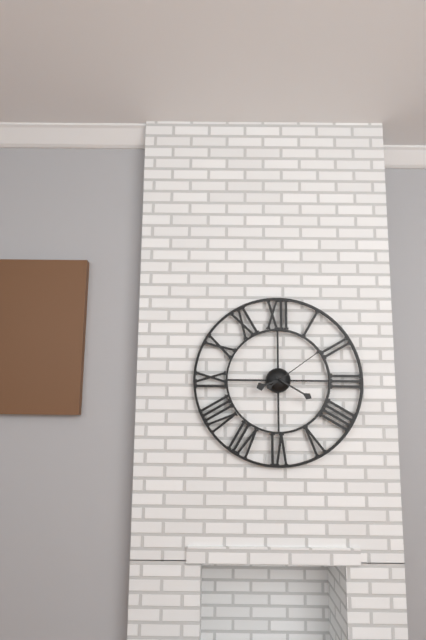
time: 8:20:09
